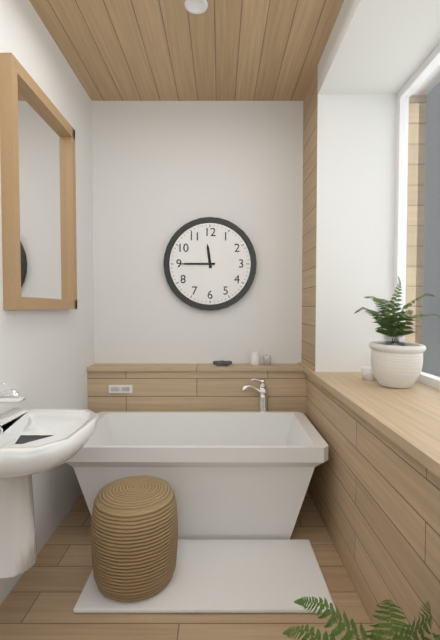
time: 11:45
